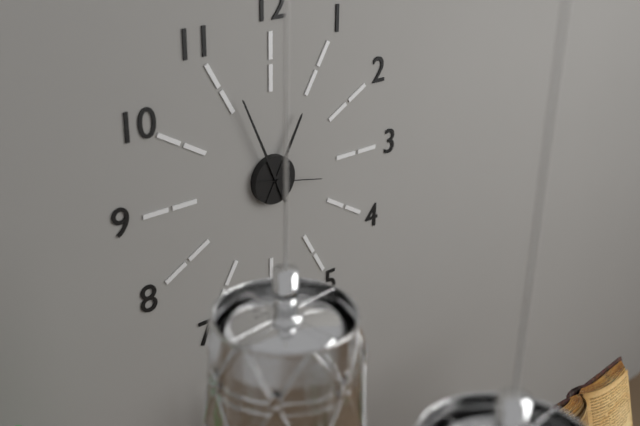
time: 12:56:17
